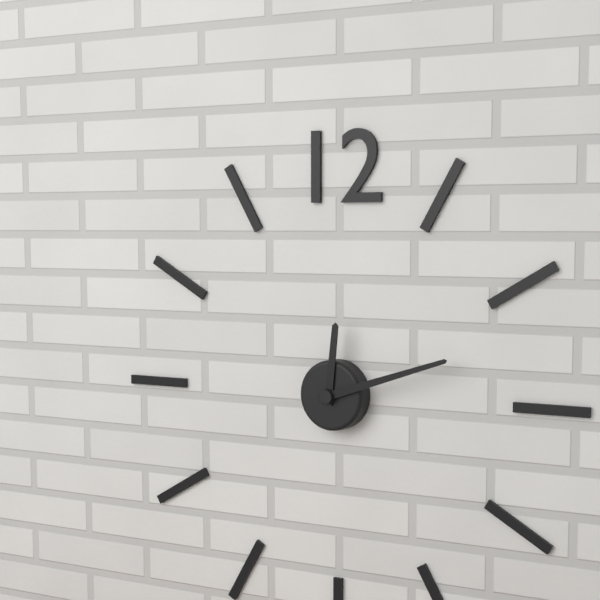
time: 12:12
